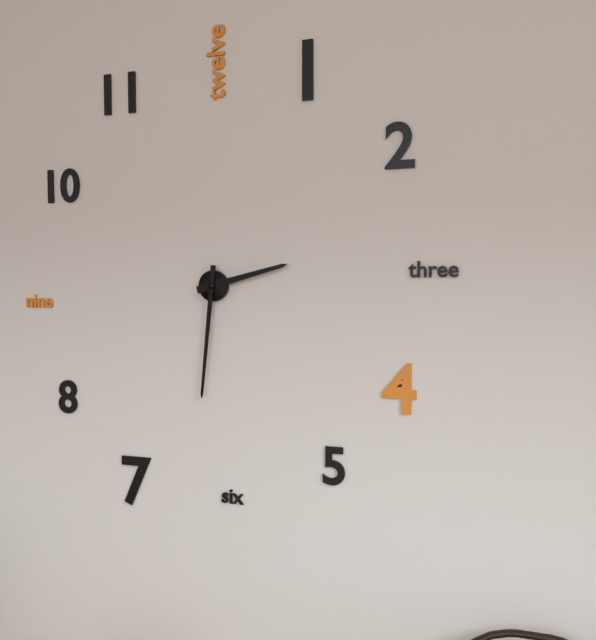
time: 2:31
